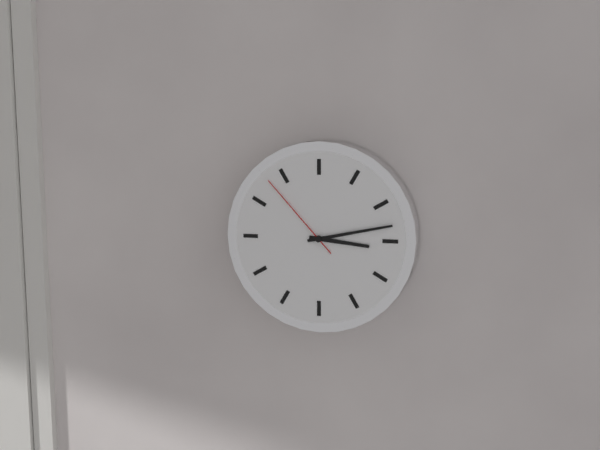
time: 3:13:53
